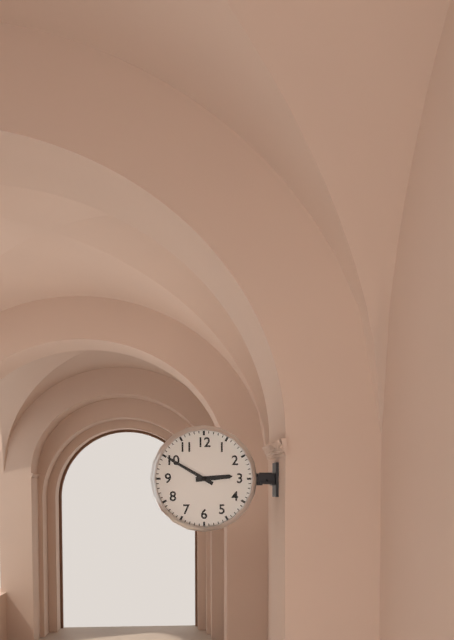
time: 2:50
